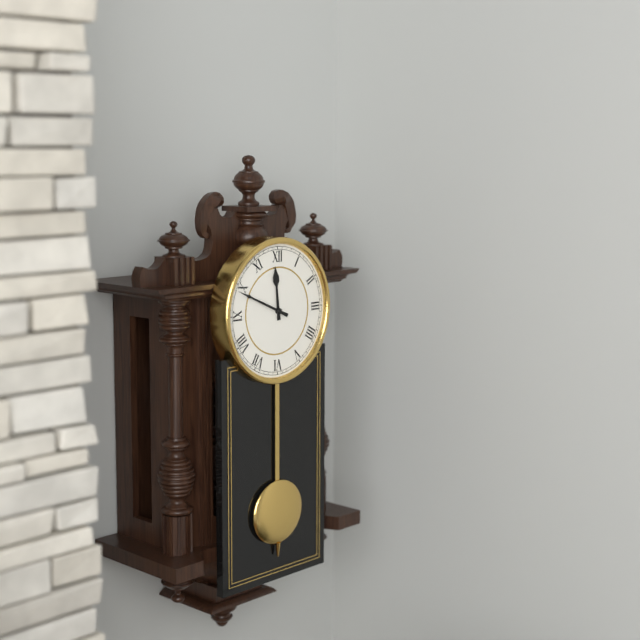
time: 11:49
